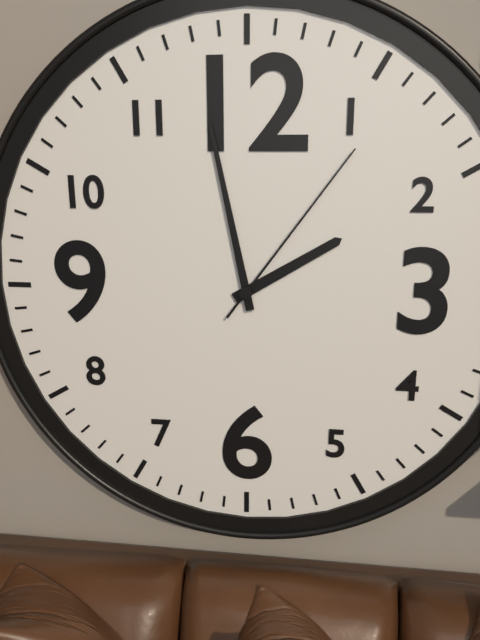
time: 1:58:06
